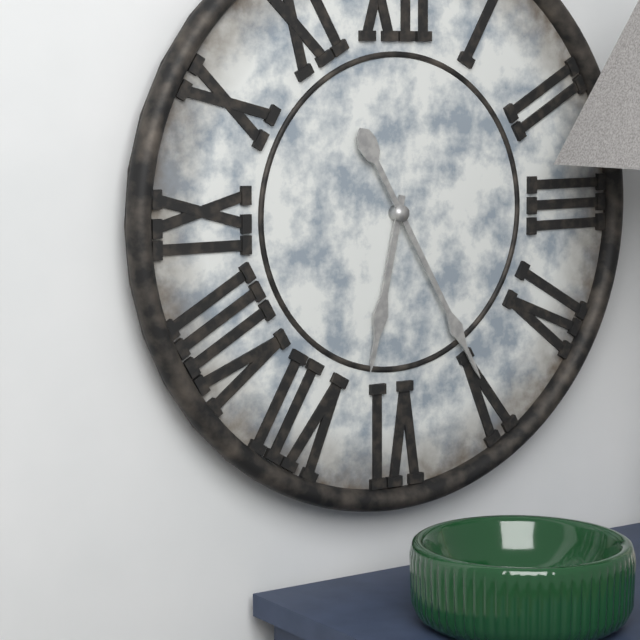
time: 6:25
